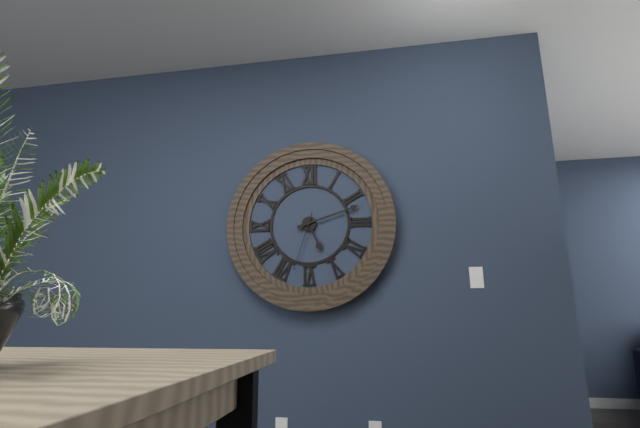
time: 5:12:33
